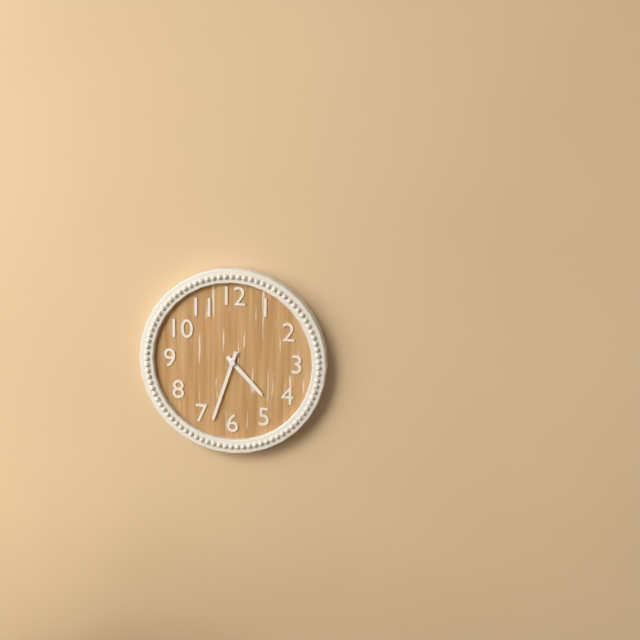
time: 4:33
